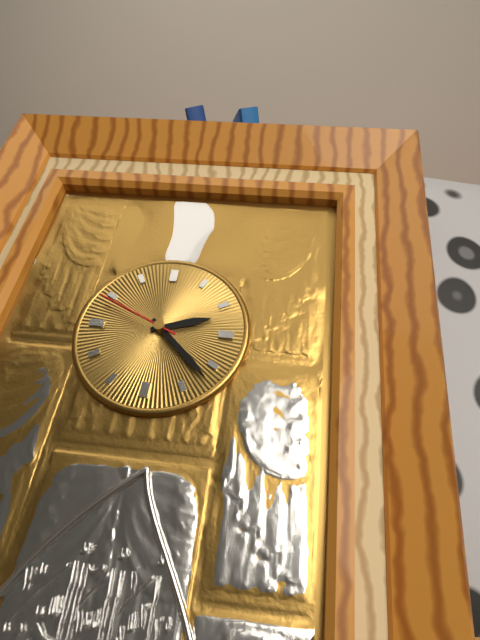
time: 2:22:49
